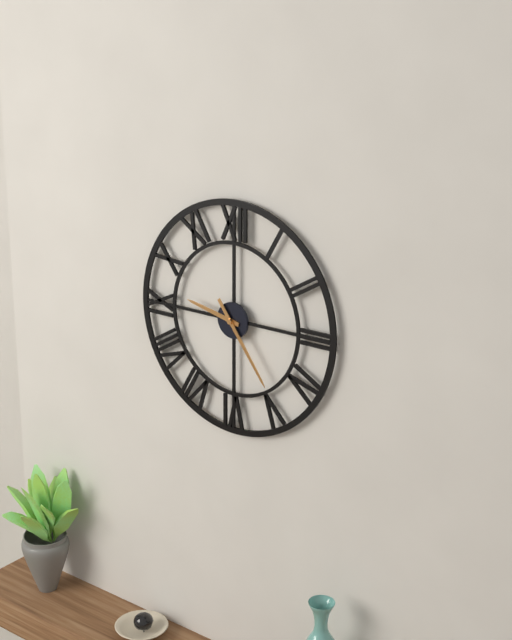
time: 9:24
